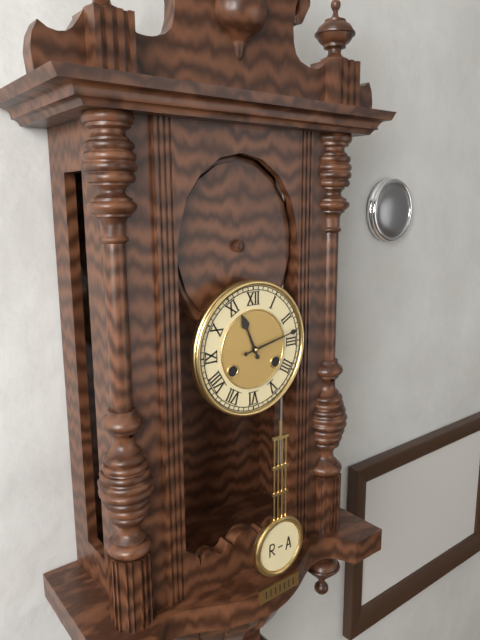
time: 11:13
